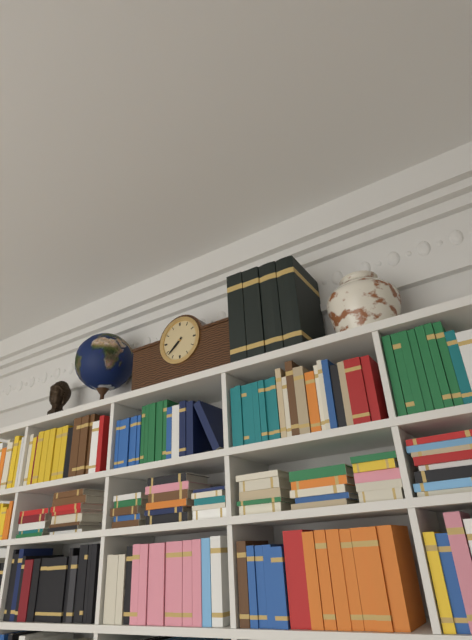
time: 7:38
